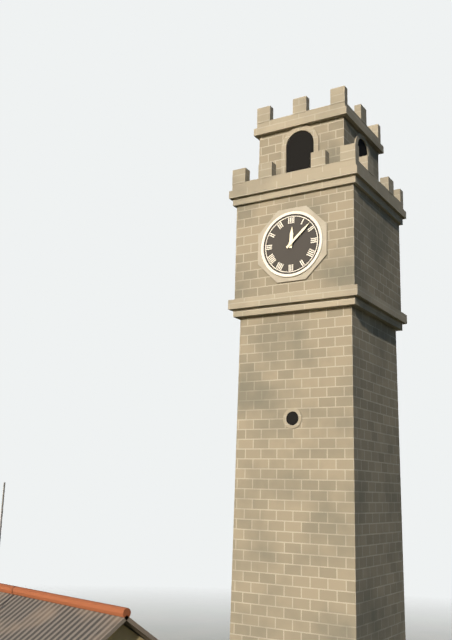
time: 12:08
